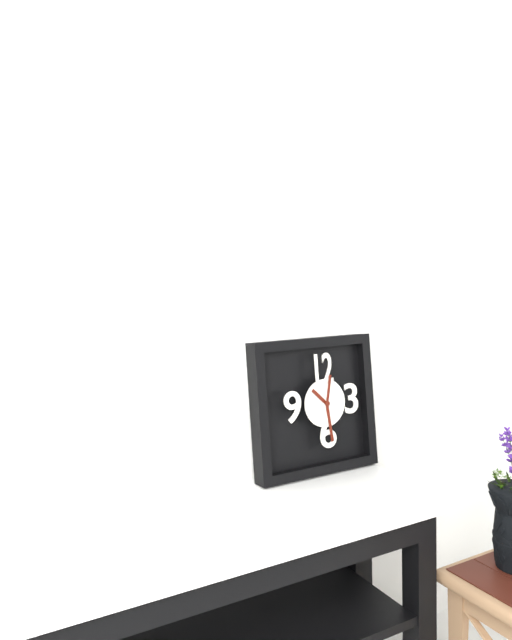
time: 10:29
